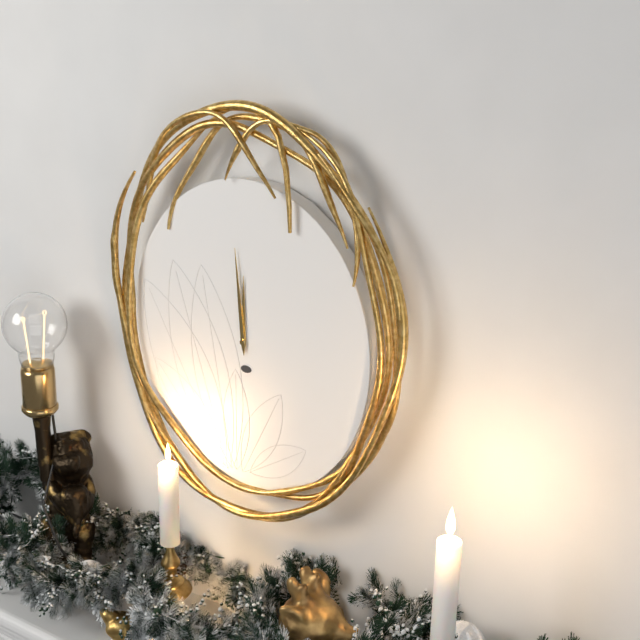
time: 11:59
